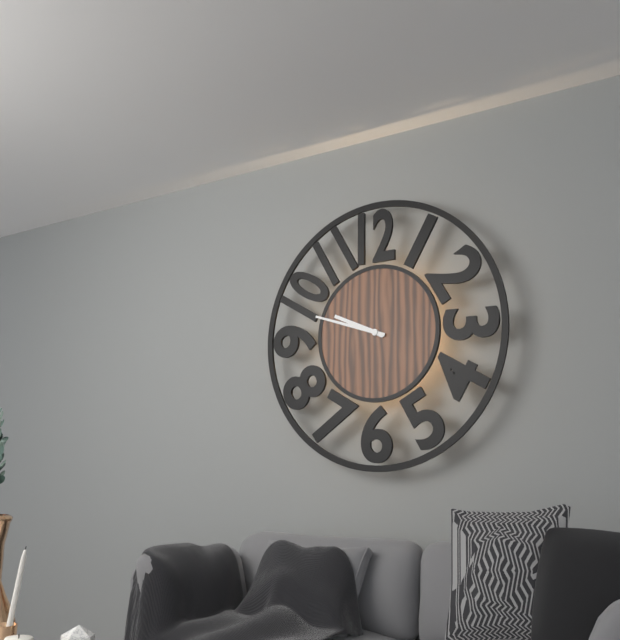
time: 9:48
